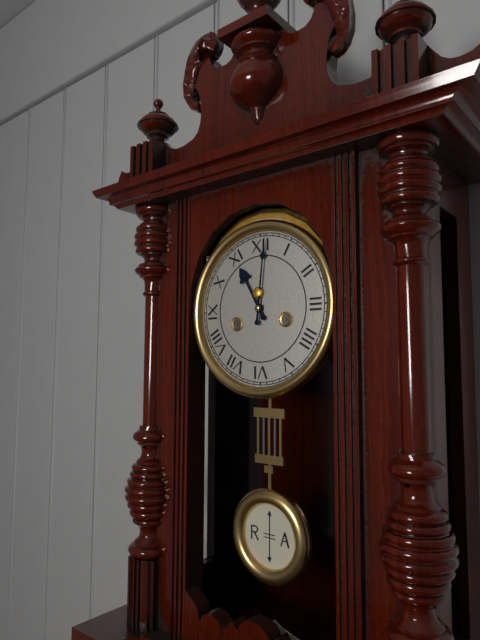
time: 11:01
